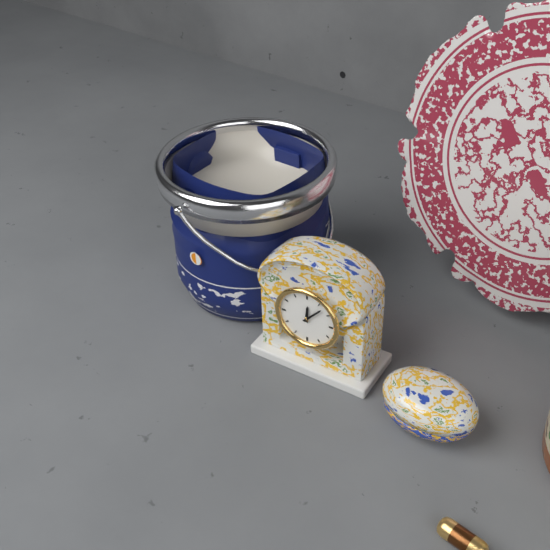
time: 12:07
